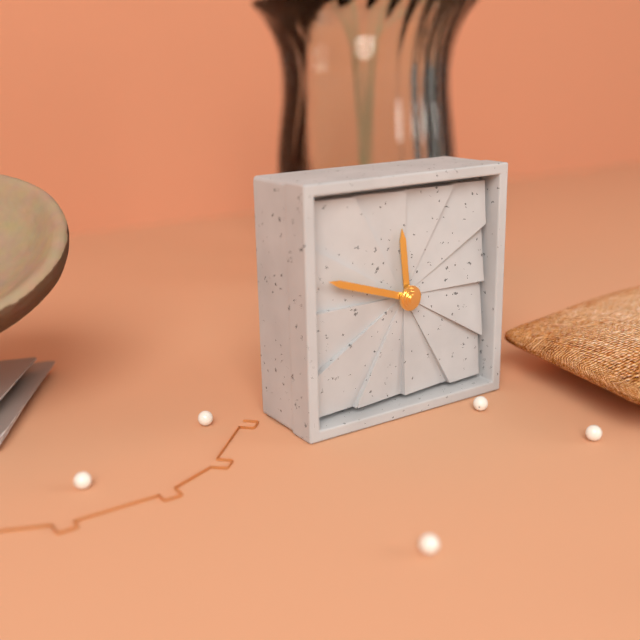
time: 11:48
